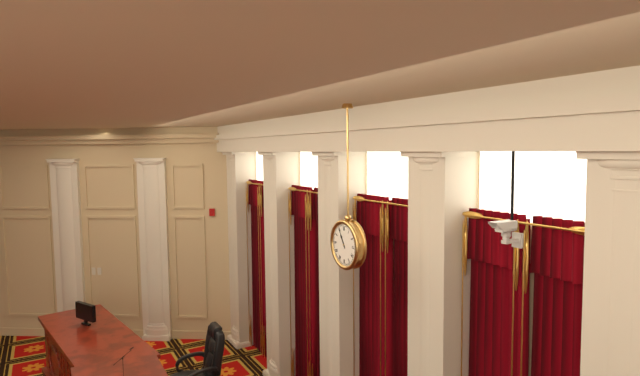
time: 10:55
